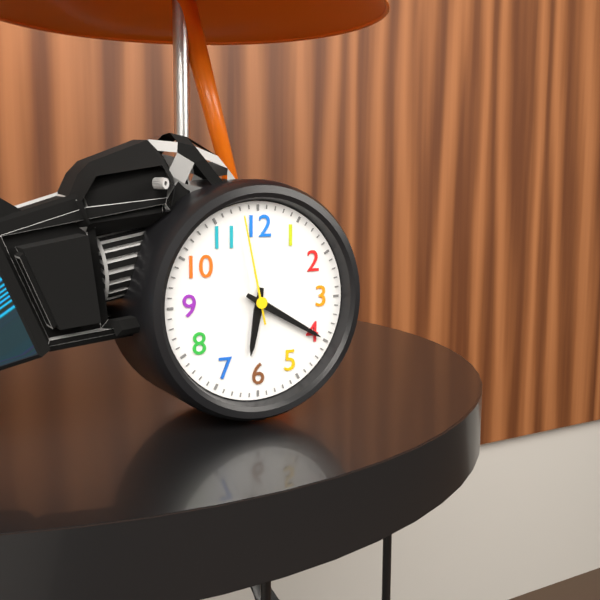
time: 6:20:58
